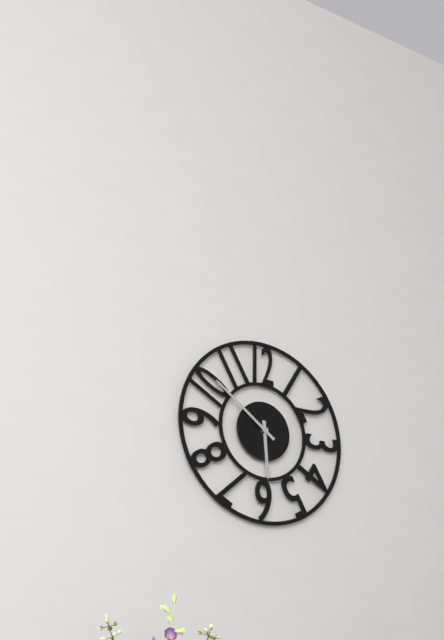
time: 5:51
